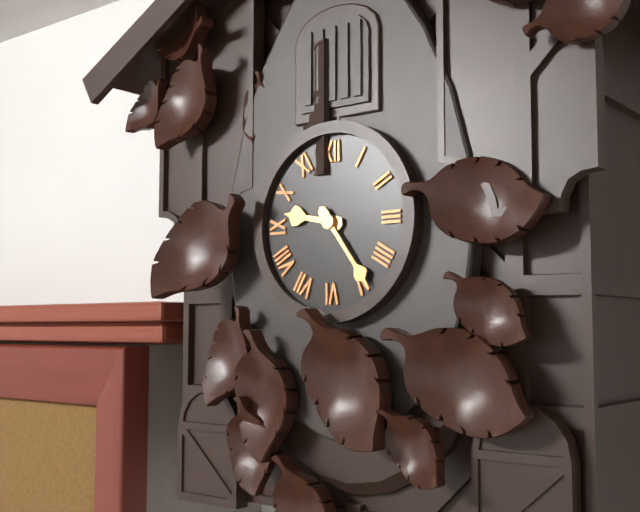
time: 9:24
